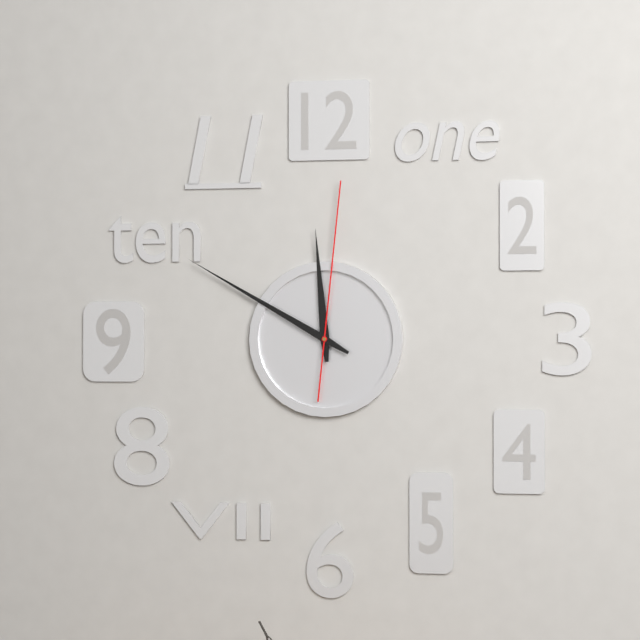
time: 11:50:01
